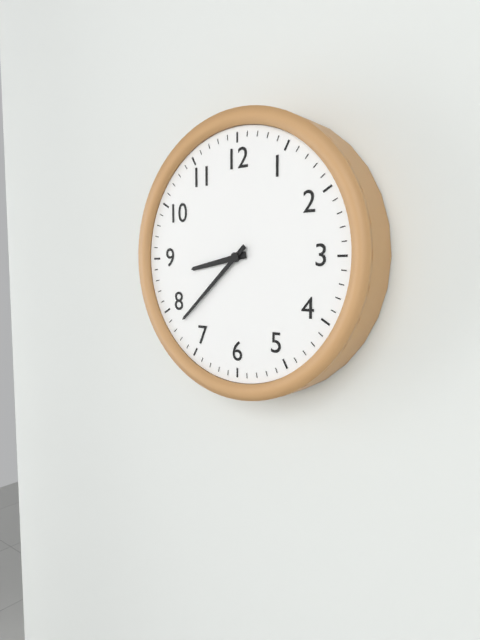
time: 8:38
